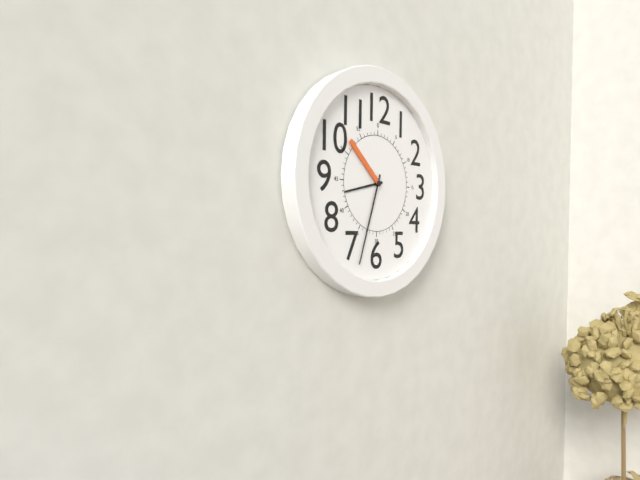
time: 8:33:52
